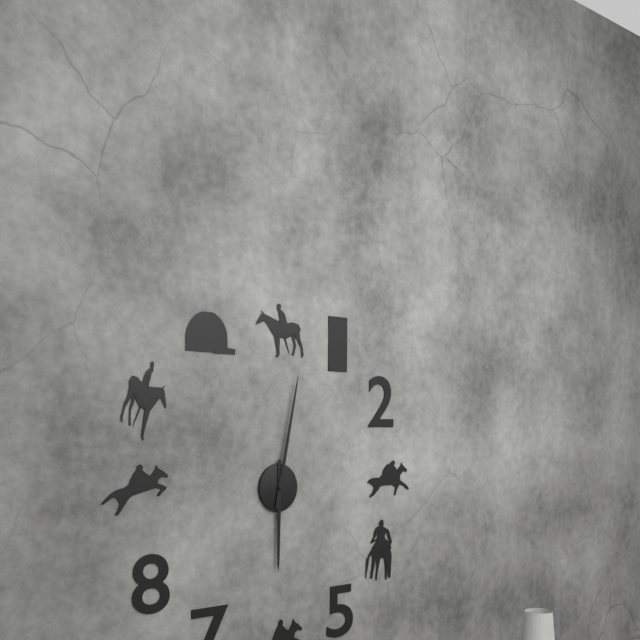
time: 6:02
